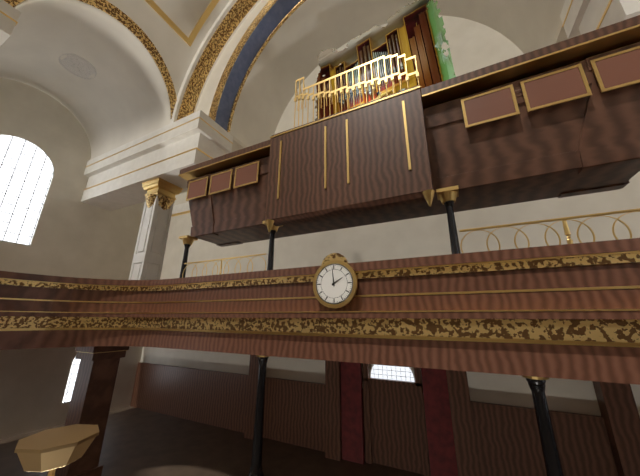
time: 1:59
